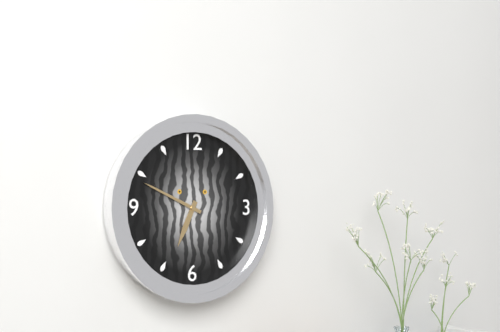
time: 6:49
